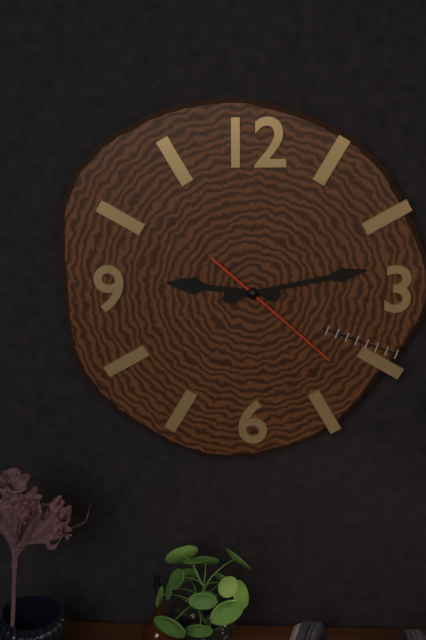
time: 9:13:22
